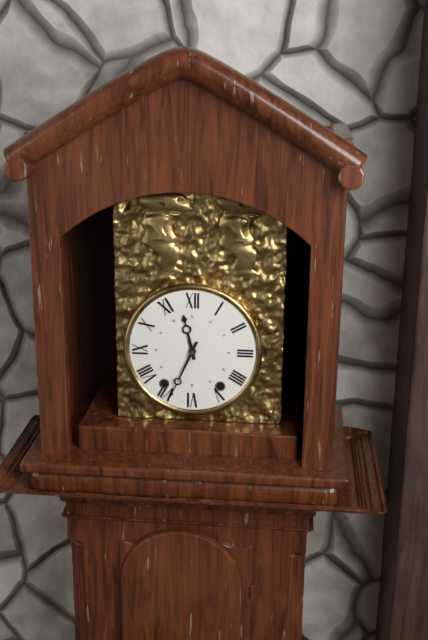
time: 11:34
